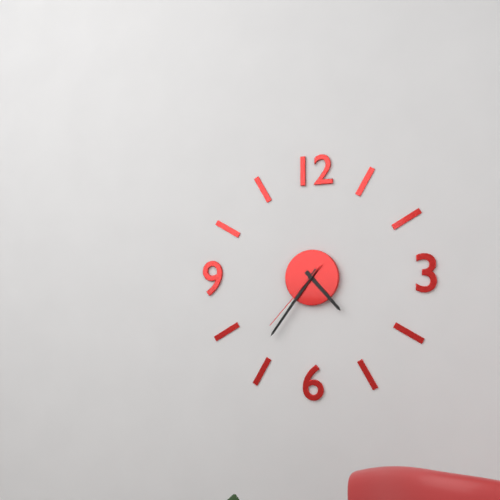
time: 4:36:37
